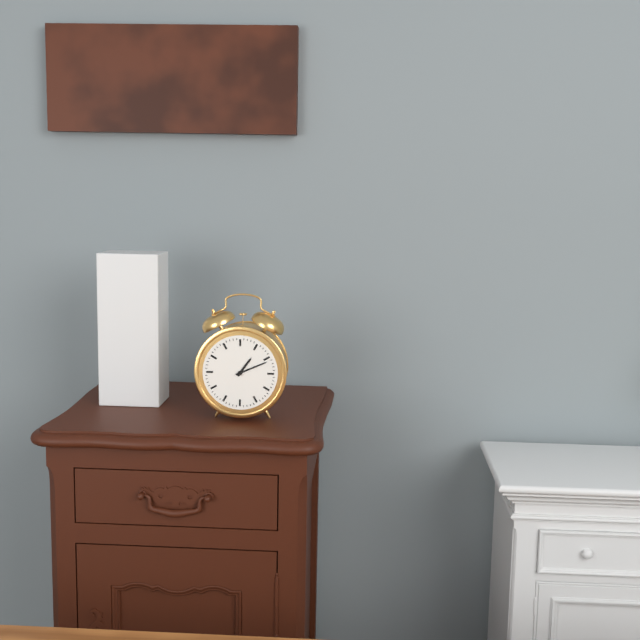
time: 1:11
